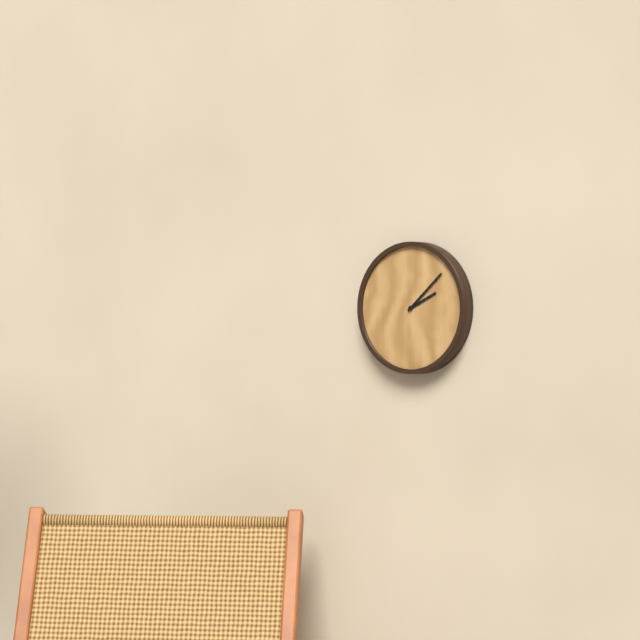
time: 2:08
